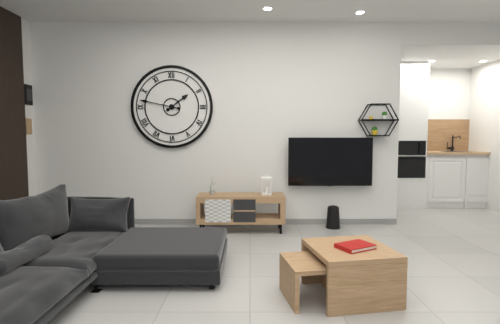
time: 1:47
